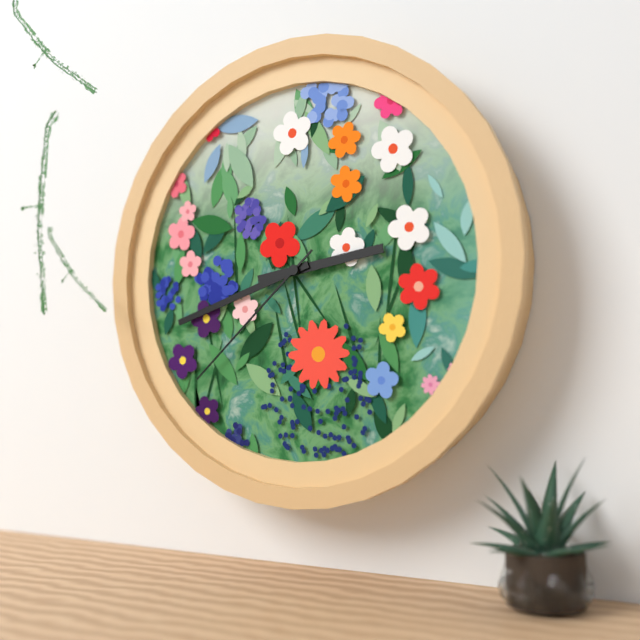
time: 2:42:38
